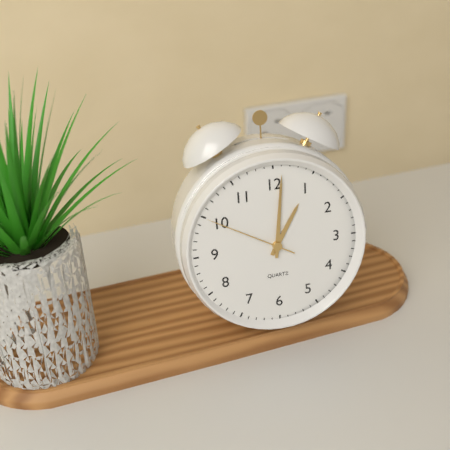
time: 1:01:50
